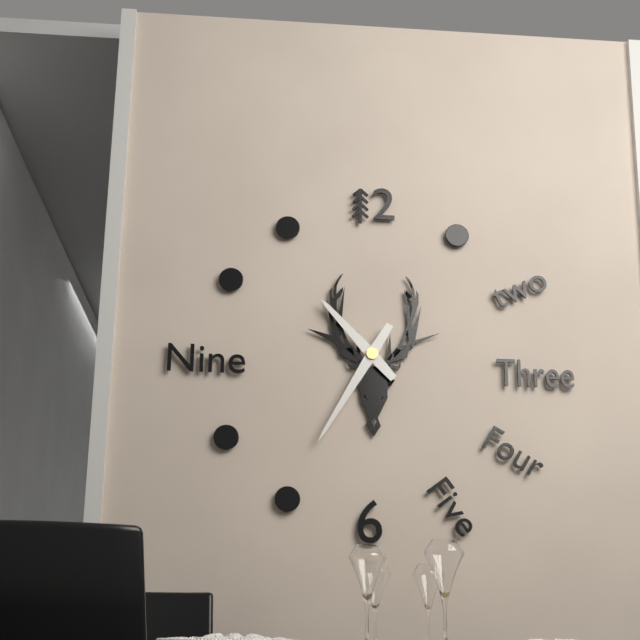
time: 10:35
